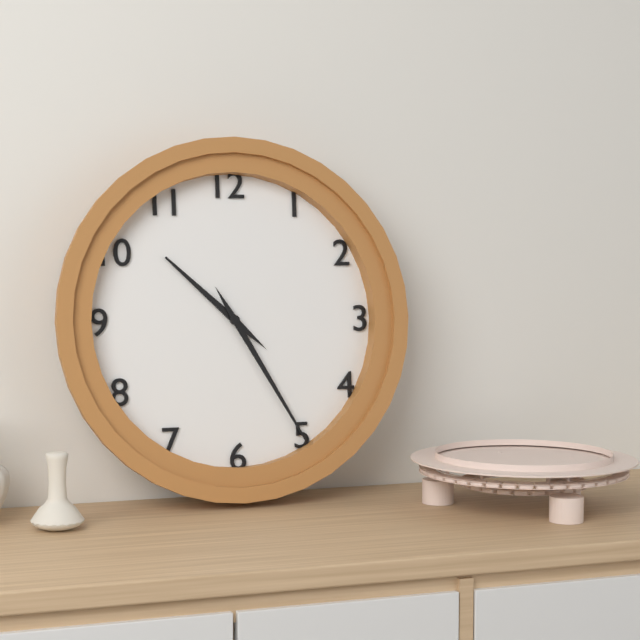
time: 10:25
